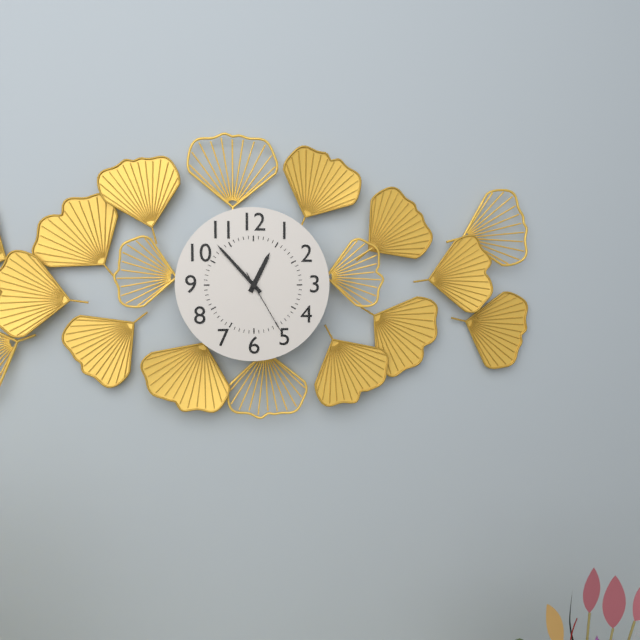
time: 12:53:25
